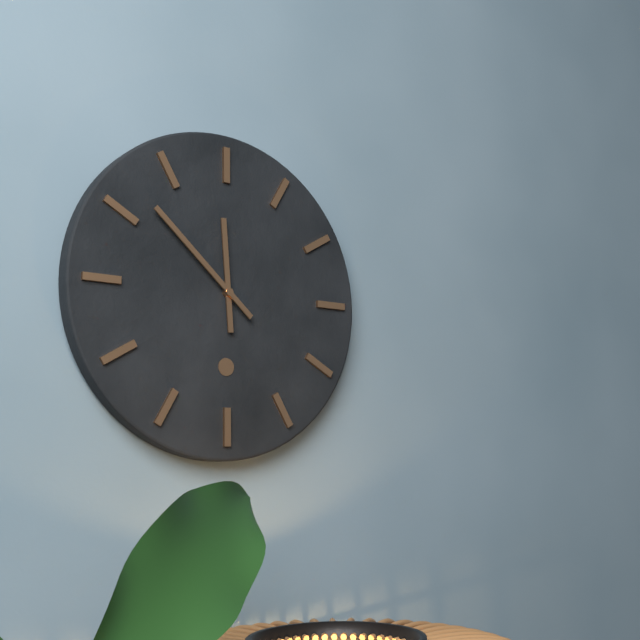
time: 11:52
